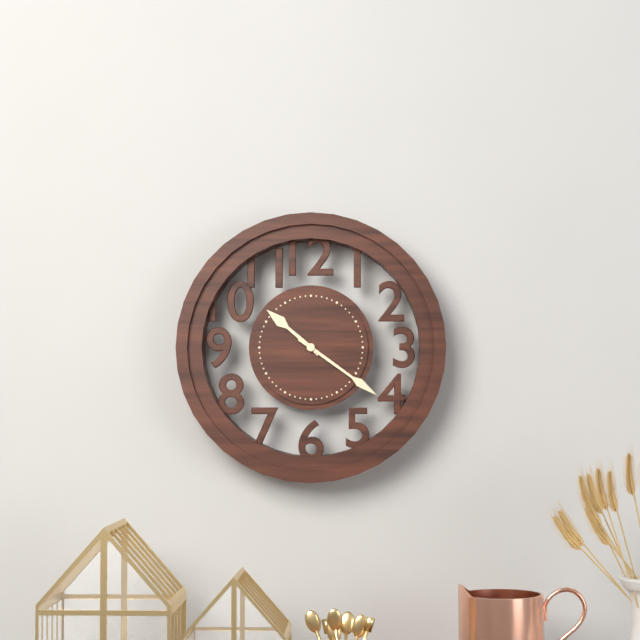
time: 10:21
